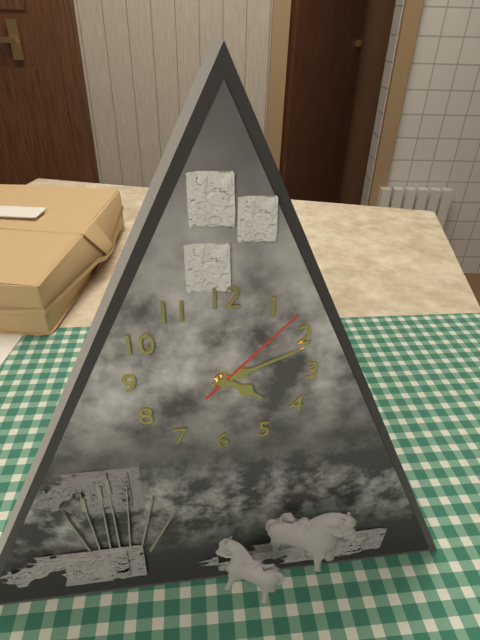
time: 4:11:07
